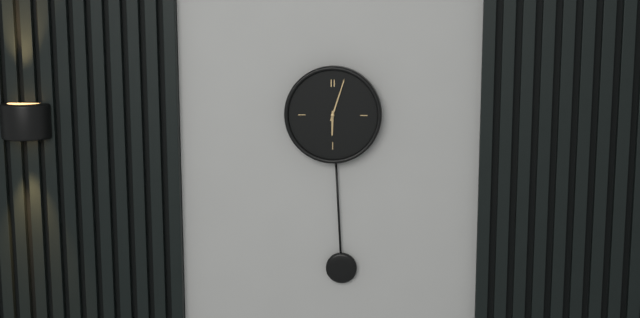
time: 6:03
